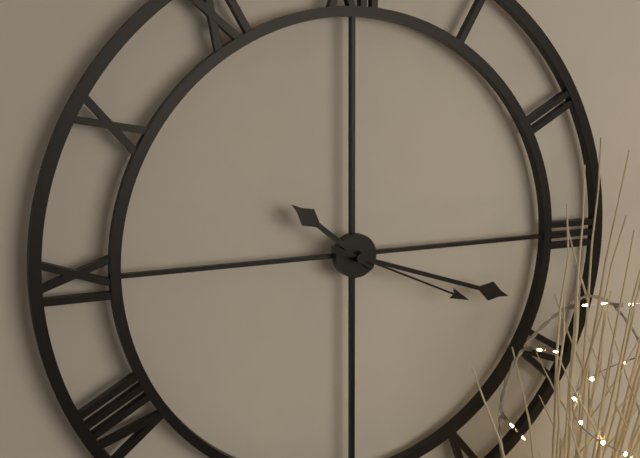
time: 10:18:19
